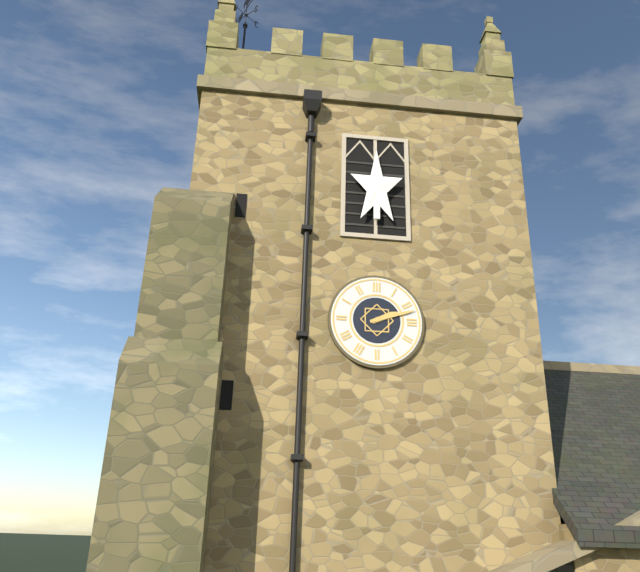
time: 2:12
